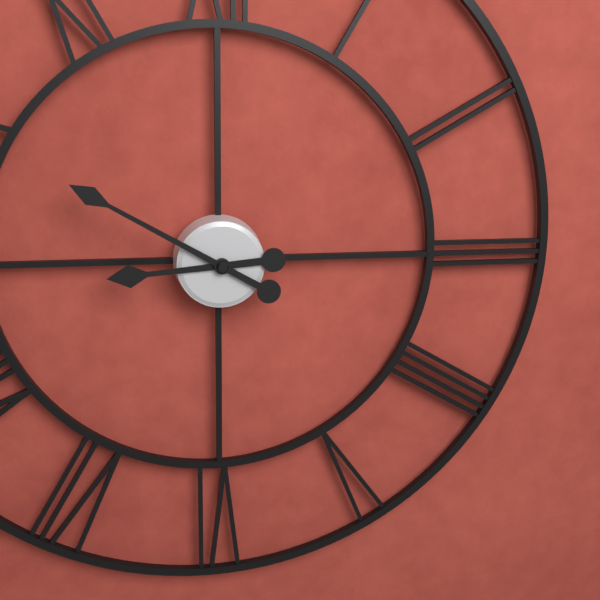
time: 8:50
